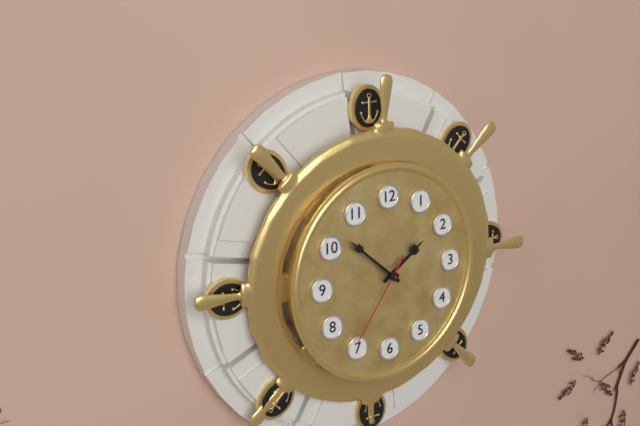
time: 1:52:36
